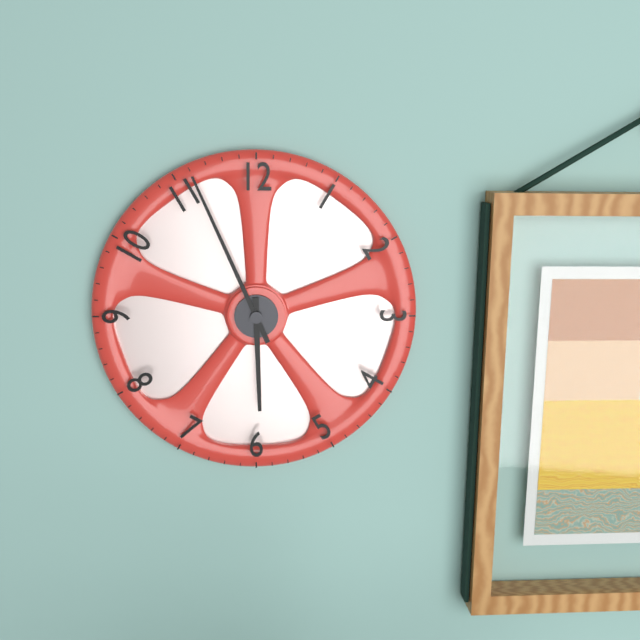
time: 5:56
